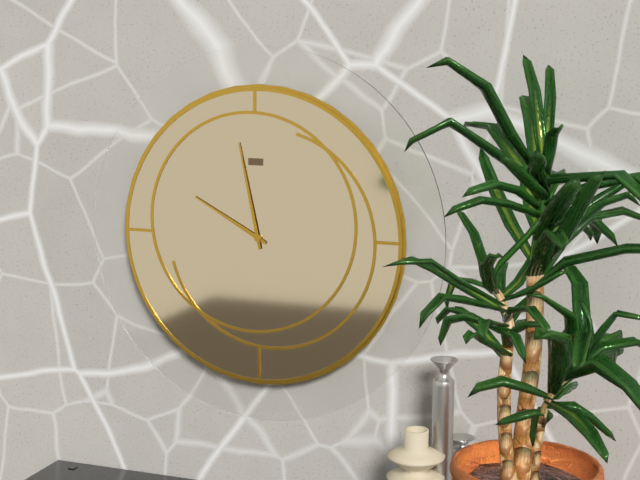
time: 9:58
